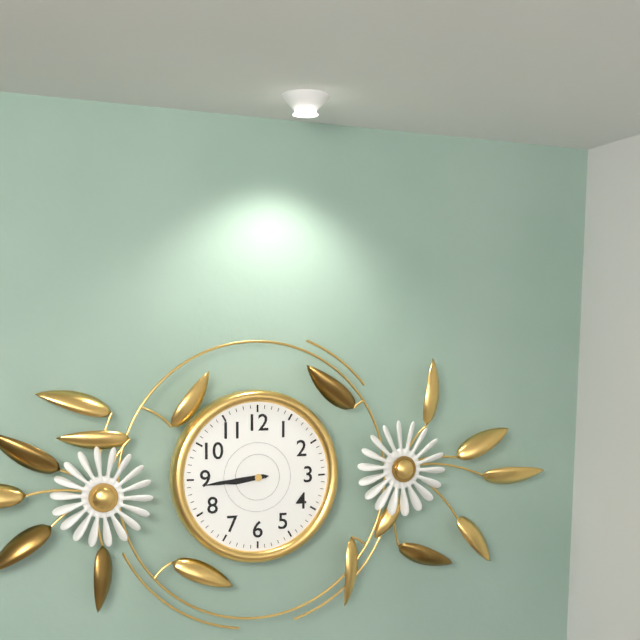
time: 8:44
